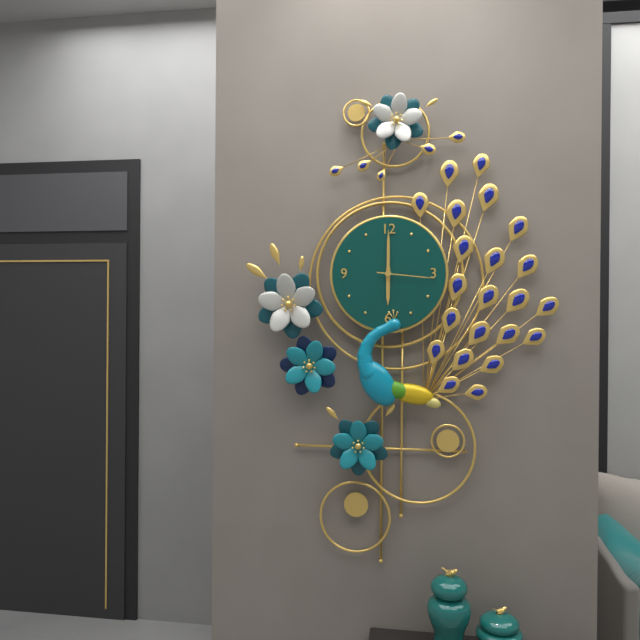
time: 6:00:16
